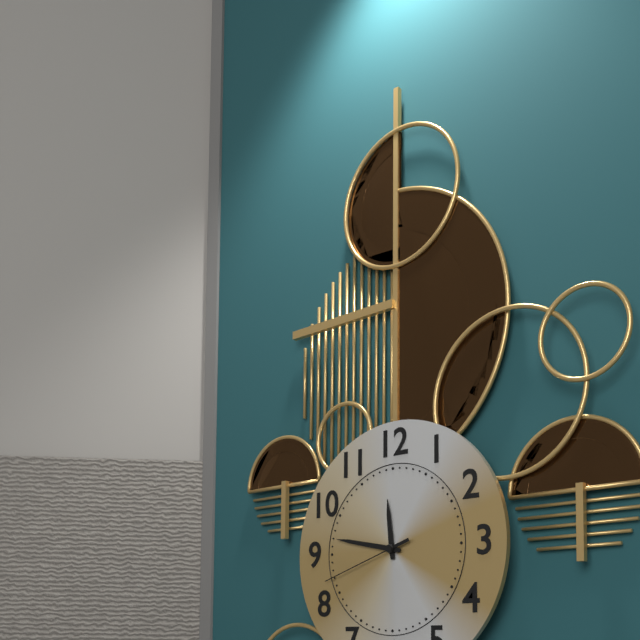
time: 11:47:42
